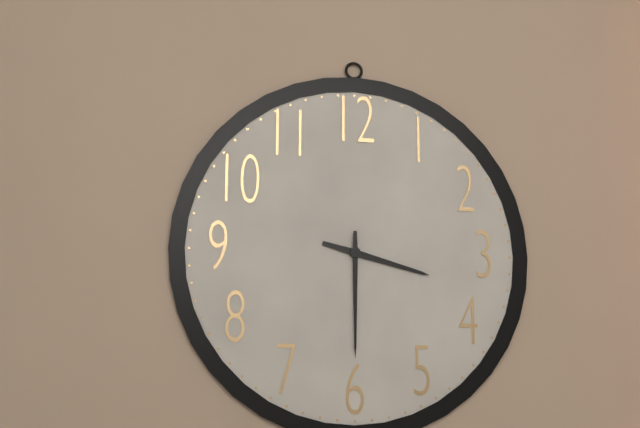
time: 3:30
